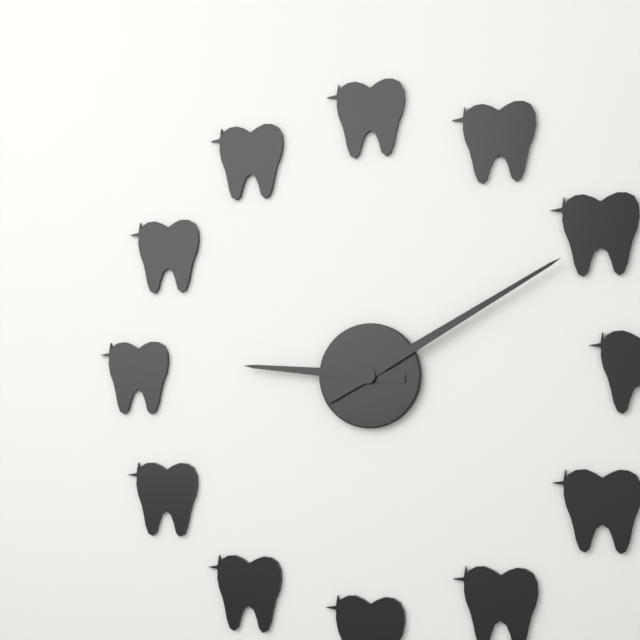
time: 9:10
